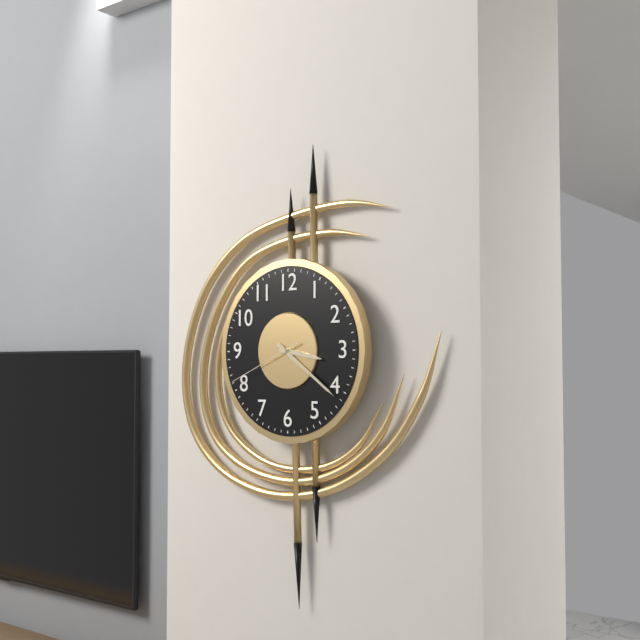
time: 3:21:41
